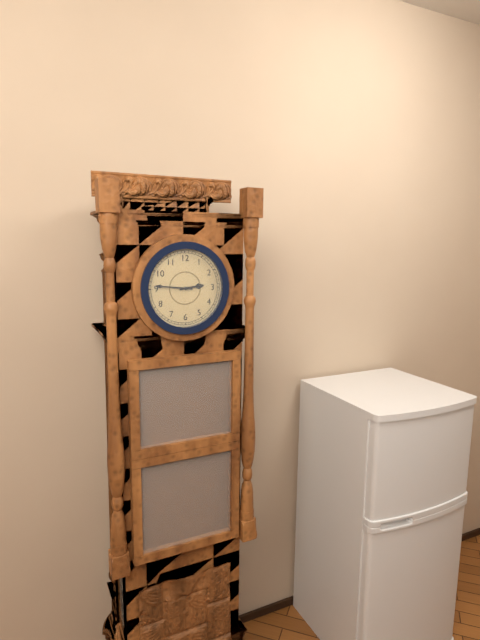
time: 2:46
